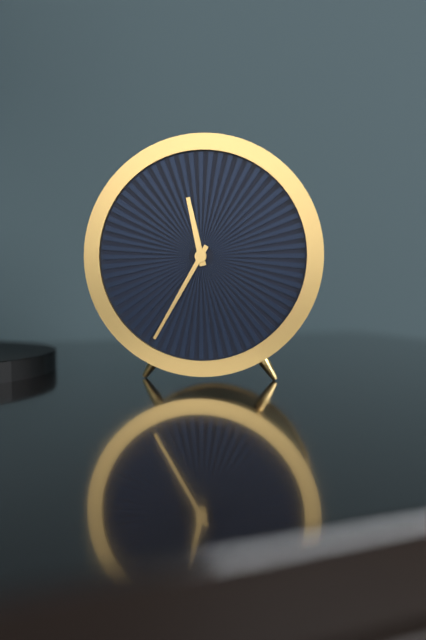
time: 11:35
